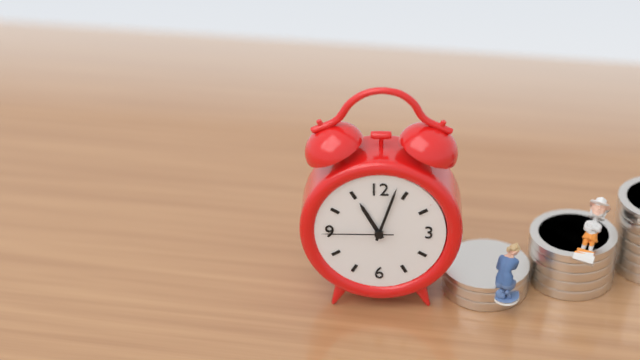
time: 11:03:45
